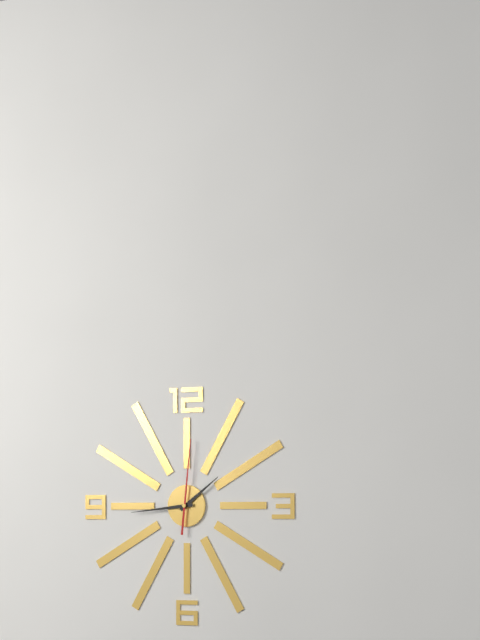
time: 1:44:01
